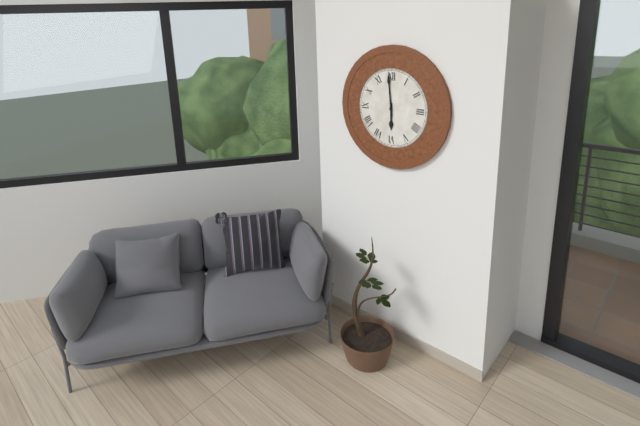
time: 5:59
